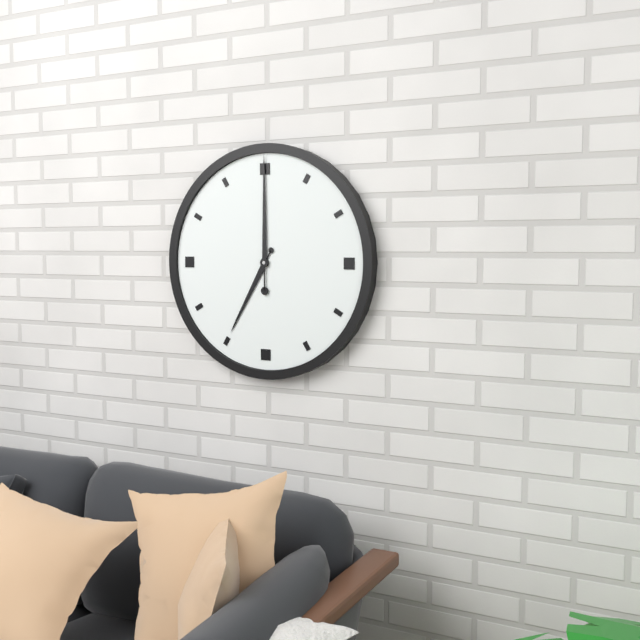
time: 7:00
